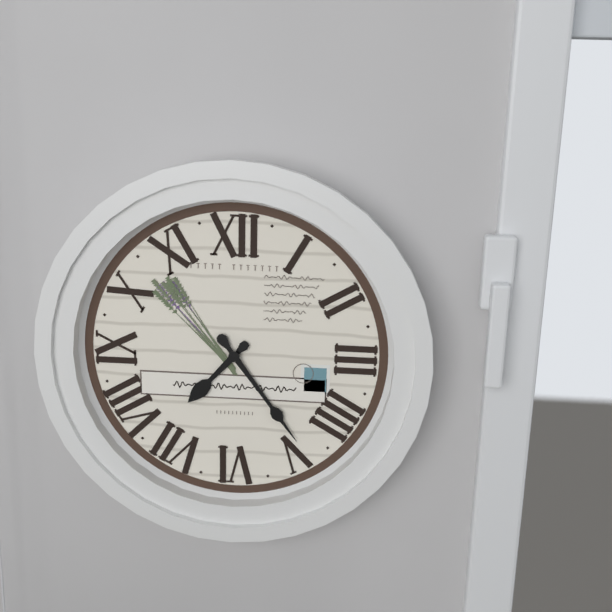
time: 7:24
